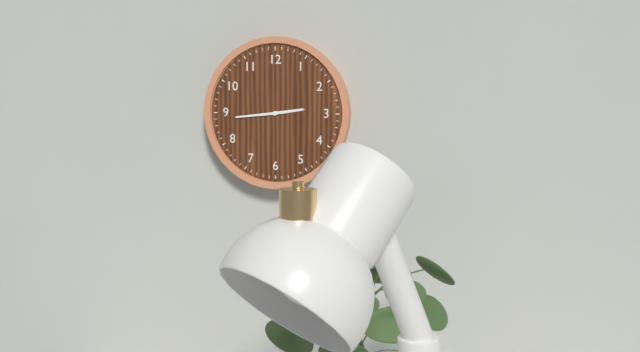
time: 2:44
